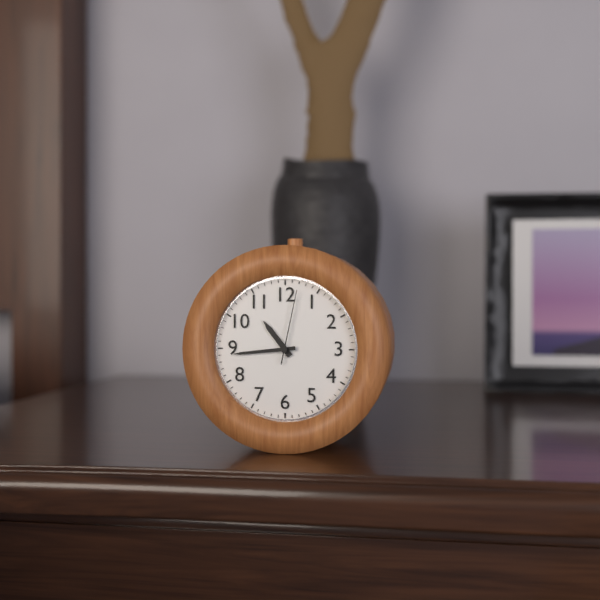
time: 10:44:02
